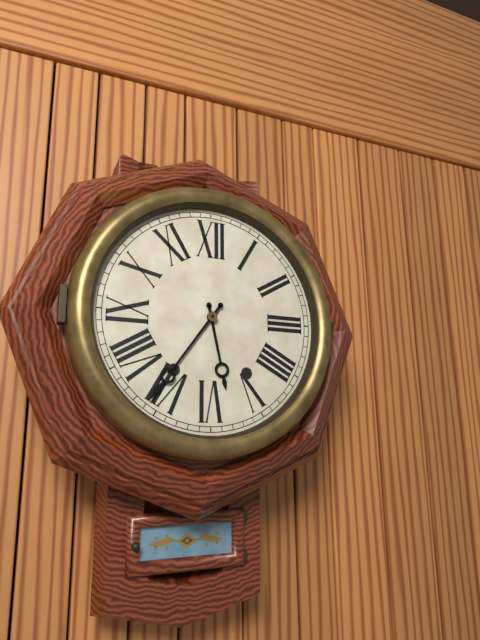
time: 5:36
